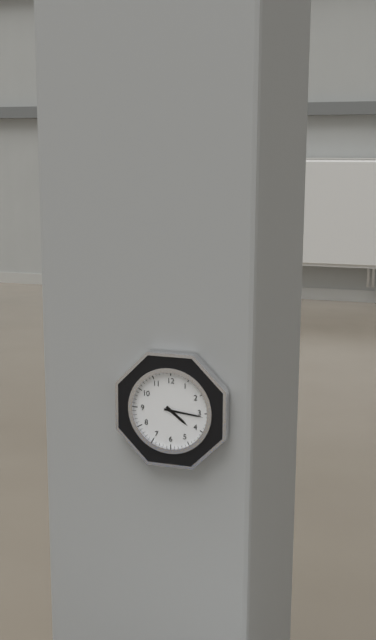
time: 4:16
